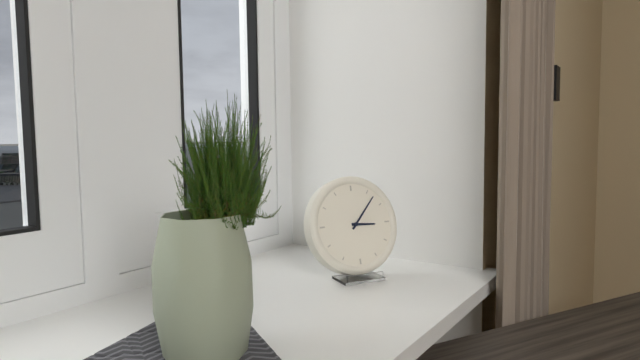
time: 3:07
